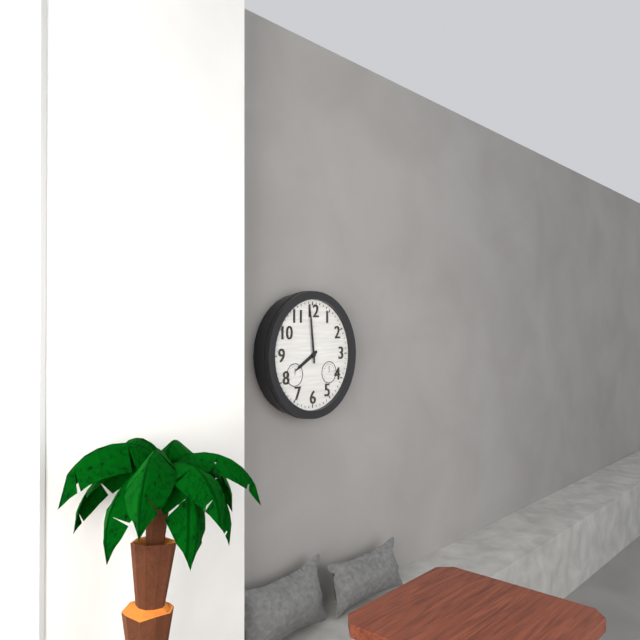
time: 7:59
